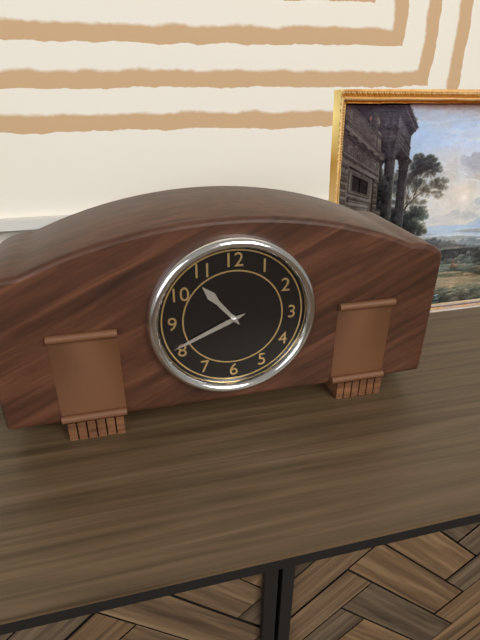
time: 10:41
